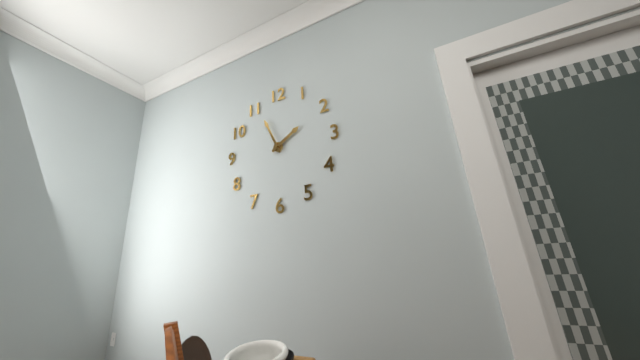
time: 1:56
